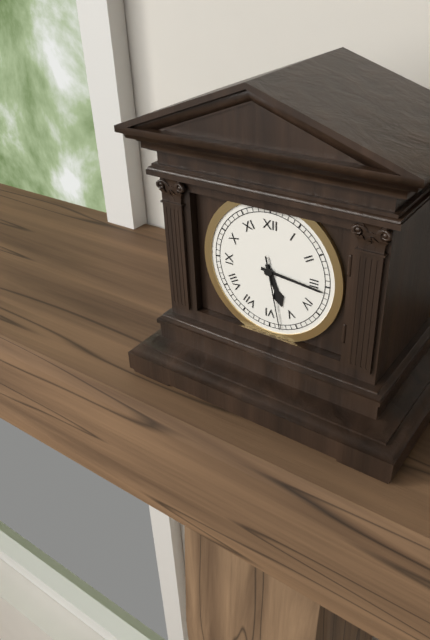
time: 5:16:28
